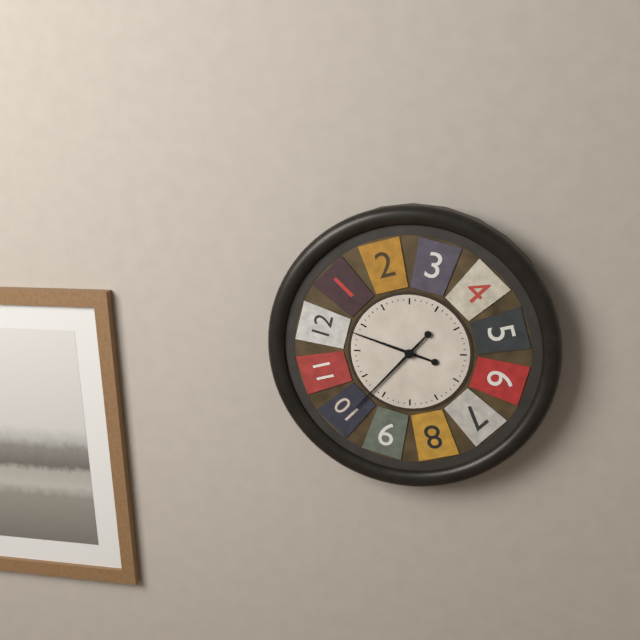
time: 9:37
